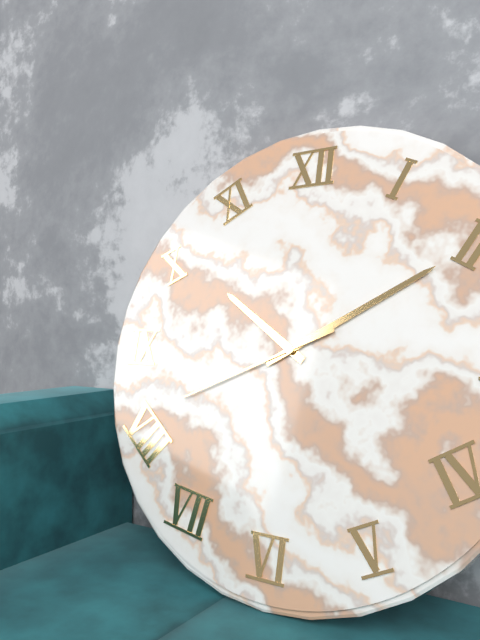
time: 10:10:41
